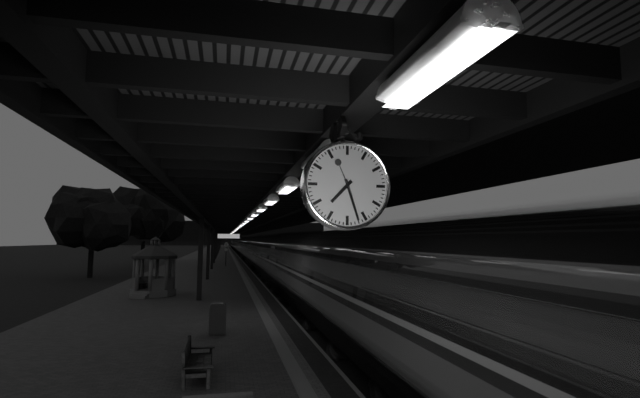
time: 7:27
